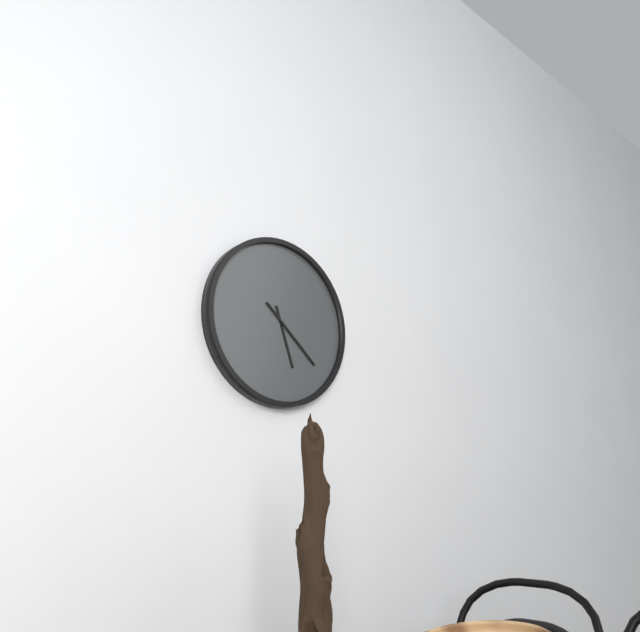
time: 5:22
